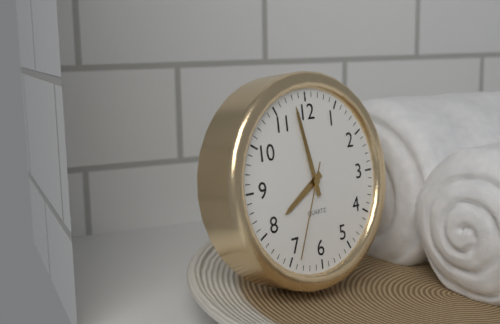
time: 7:58:34
